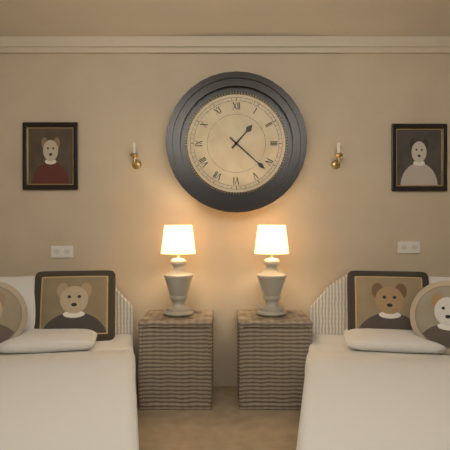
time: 1:22
